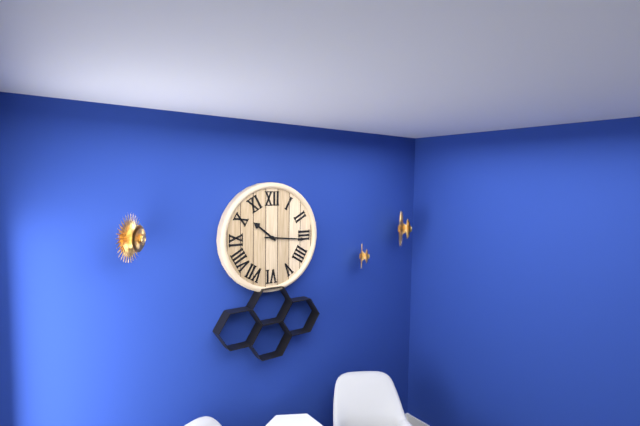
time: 10:16
